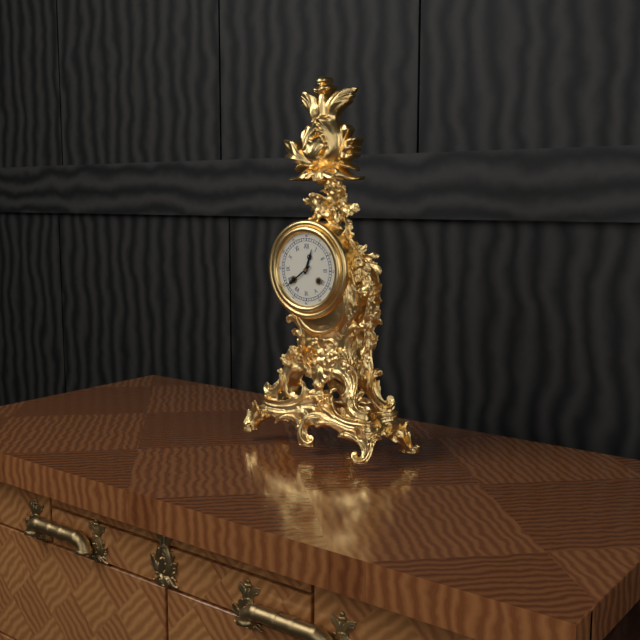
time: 12:39
